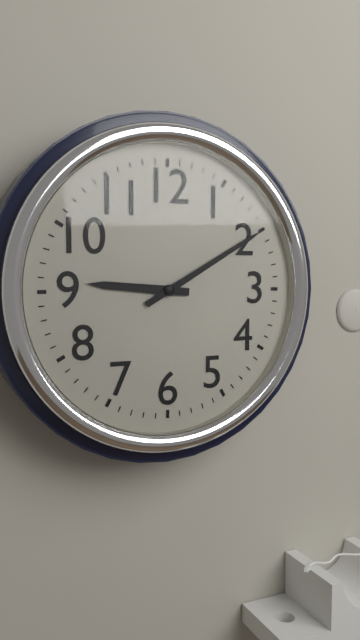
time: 9:10
